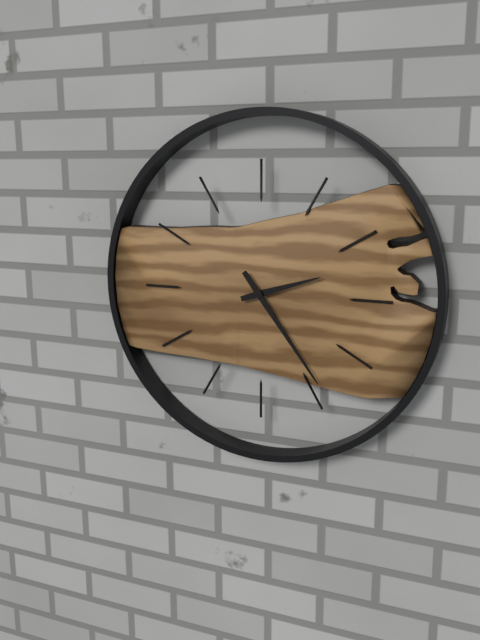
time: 2:24
